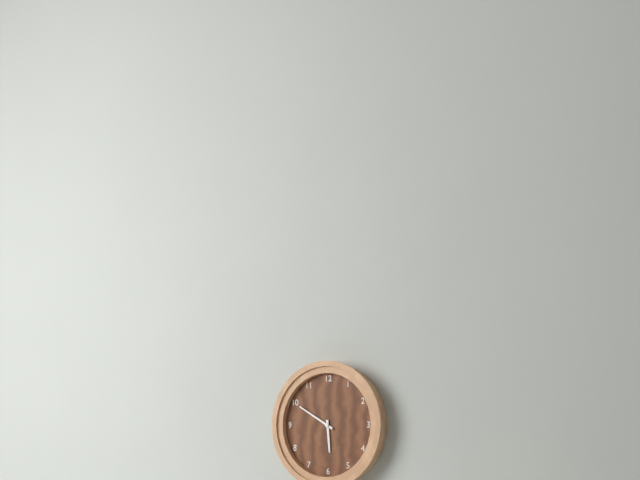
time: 5:50
